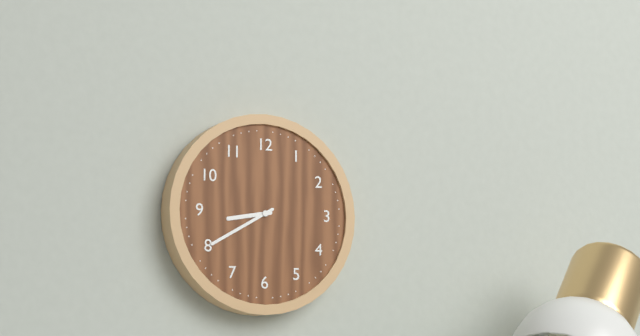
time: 8:40
